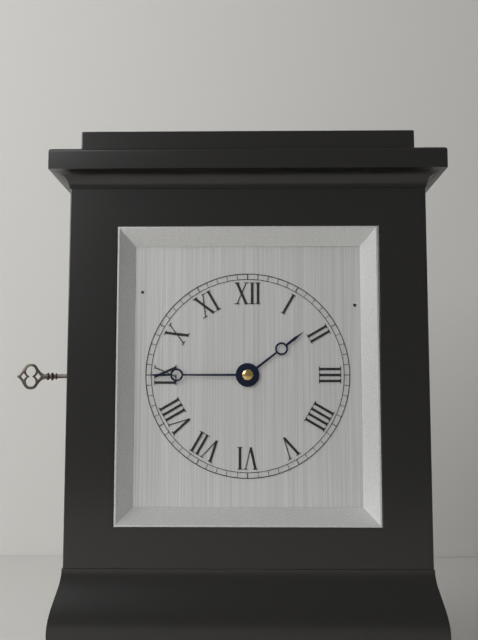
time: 1:45
